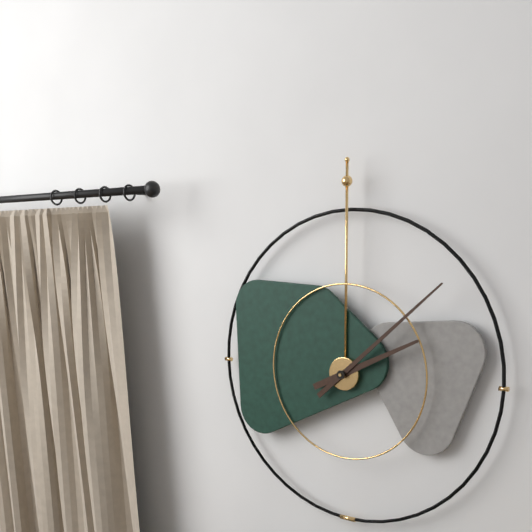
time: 2:08
